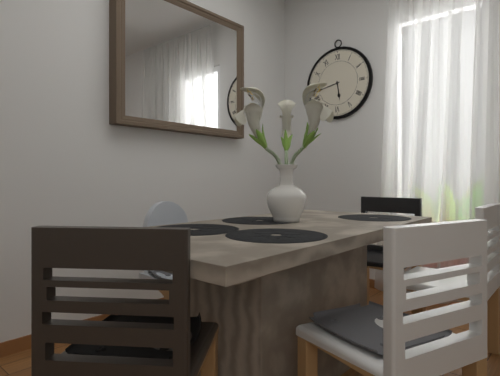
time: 5:43
